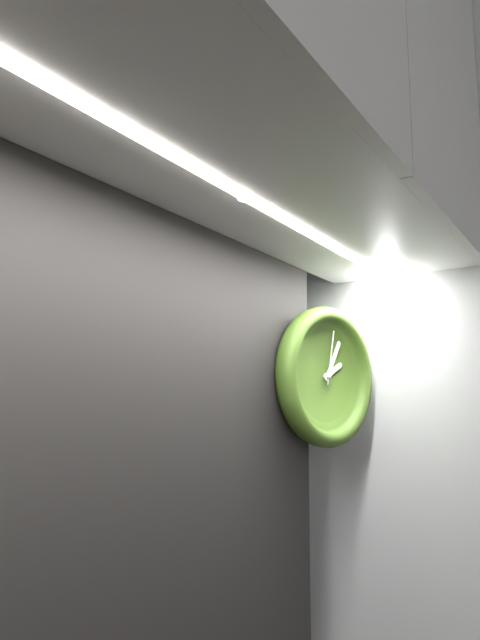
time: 2:05:02
